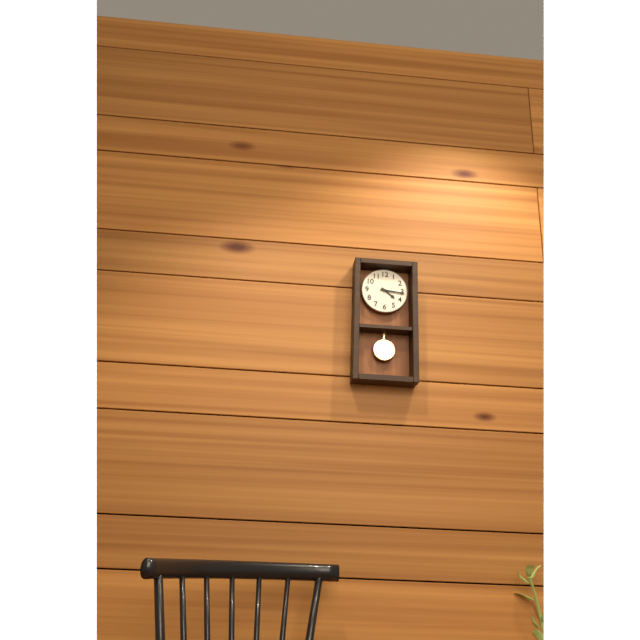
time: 4:16
